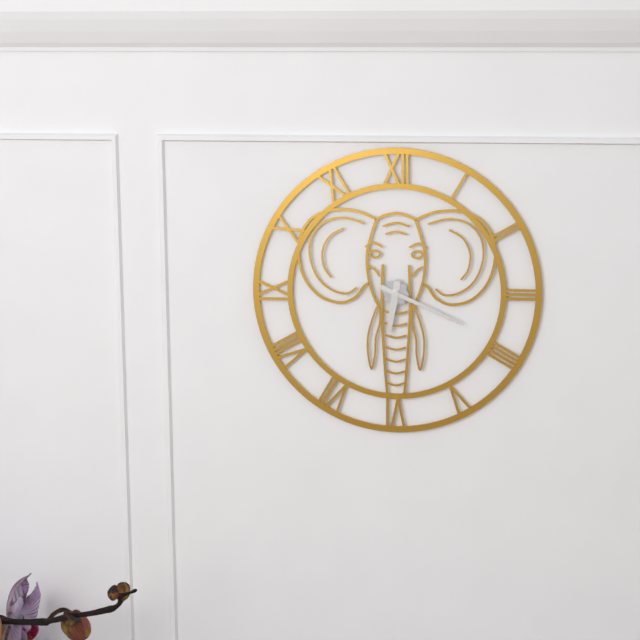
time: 6:19
